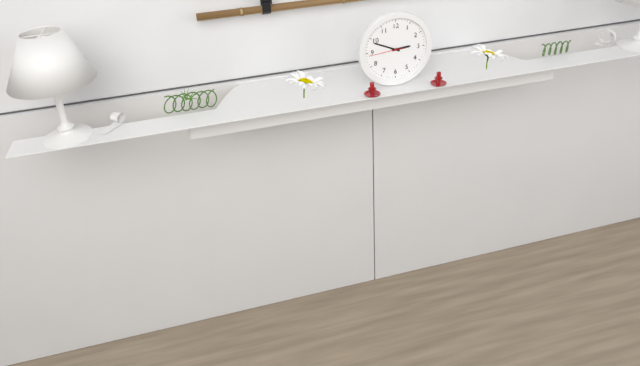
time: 2:49
